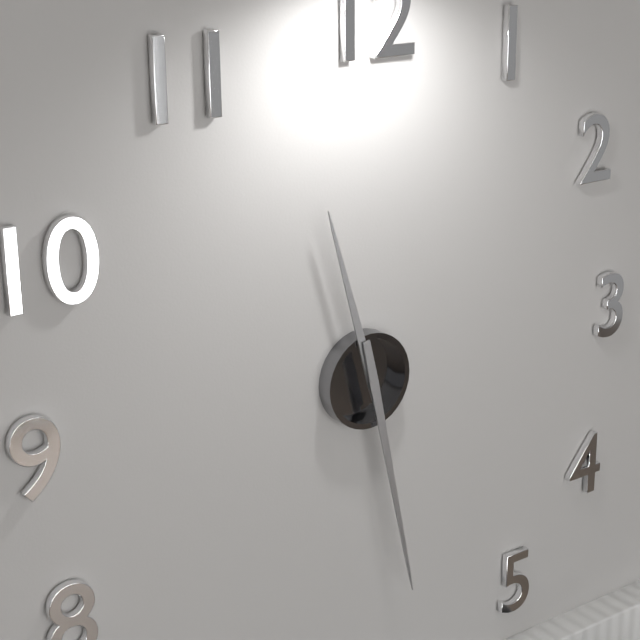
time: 11:28
